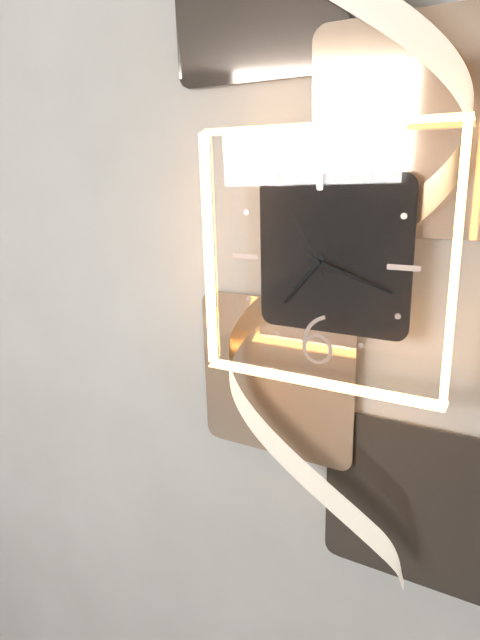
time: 7:18:55
